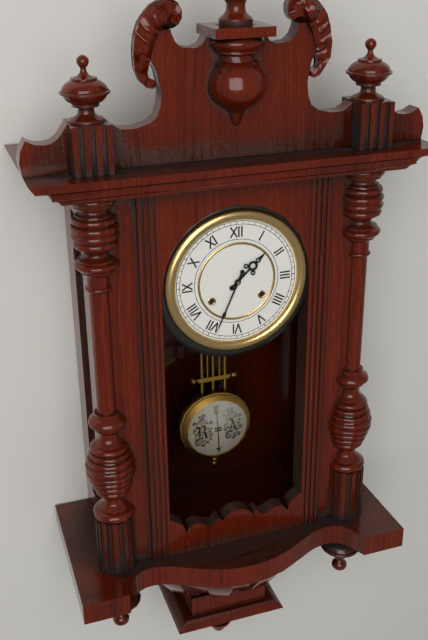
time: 1:34
